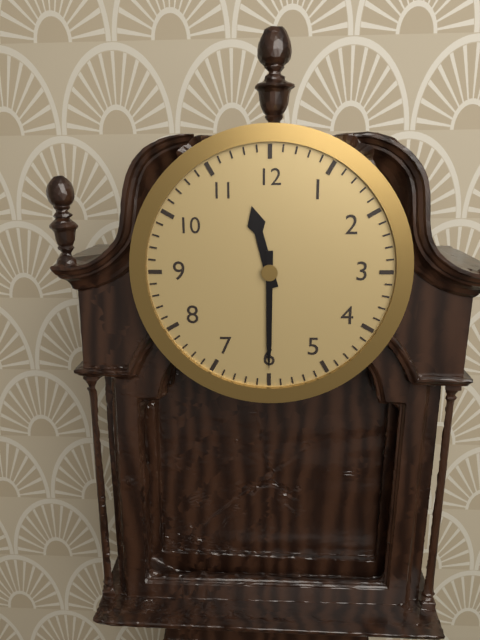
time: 11:30
